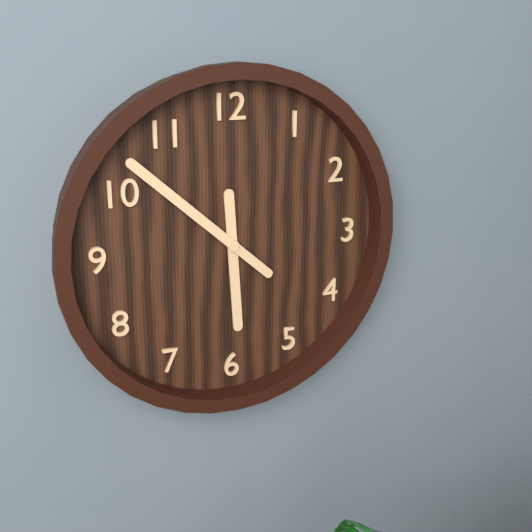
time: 5:52
